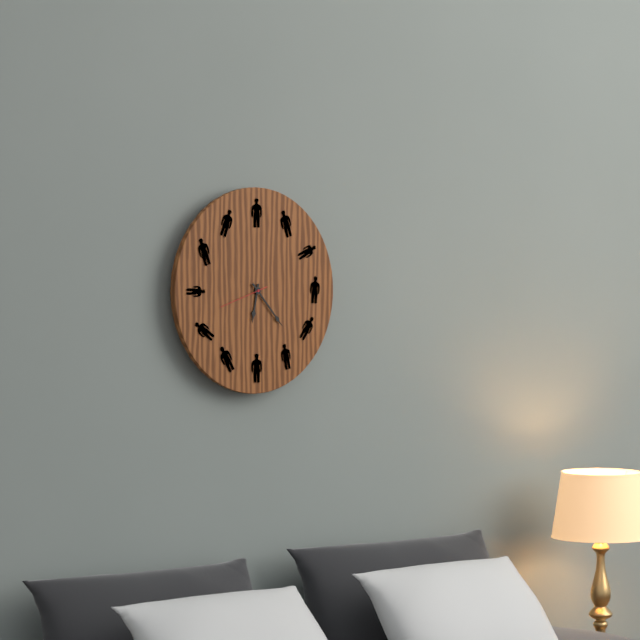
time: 6:23
